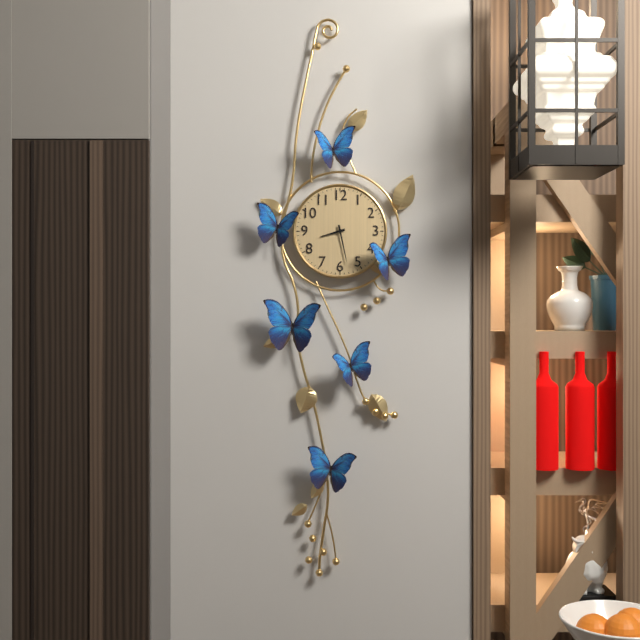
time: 8:28
